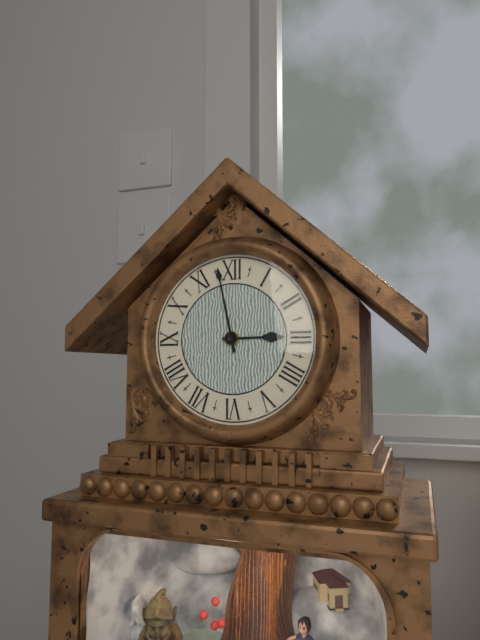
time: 2:58
